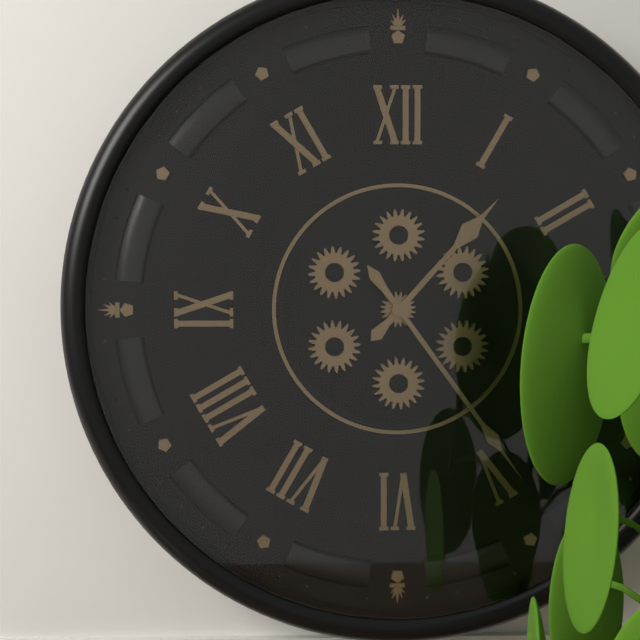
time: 1:24
